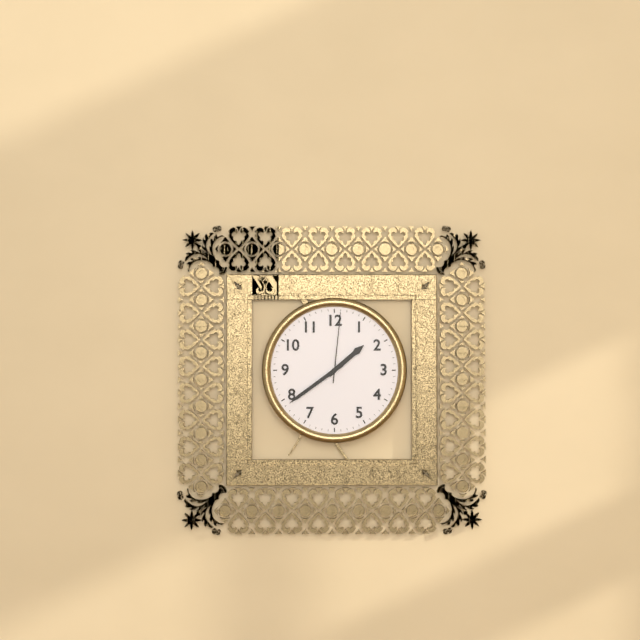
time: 1:39:01
